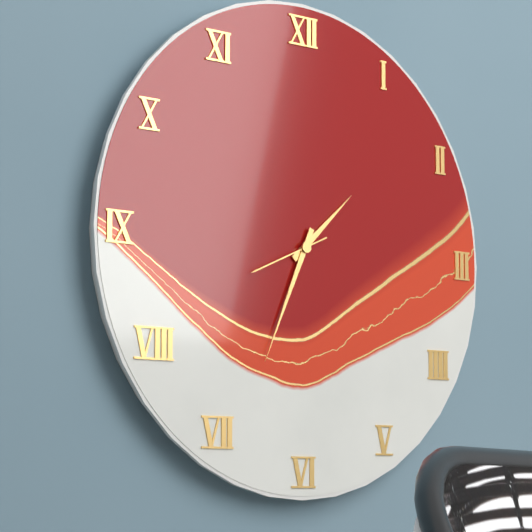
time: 1:34:41
